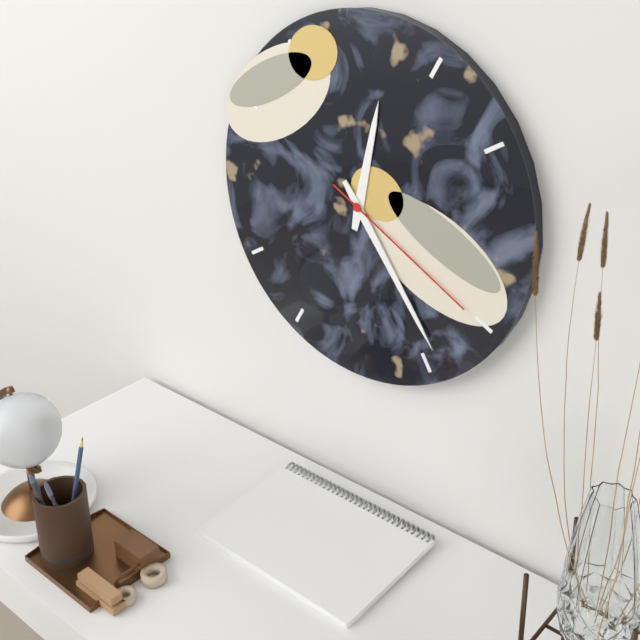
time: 12:24:20
